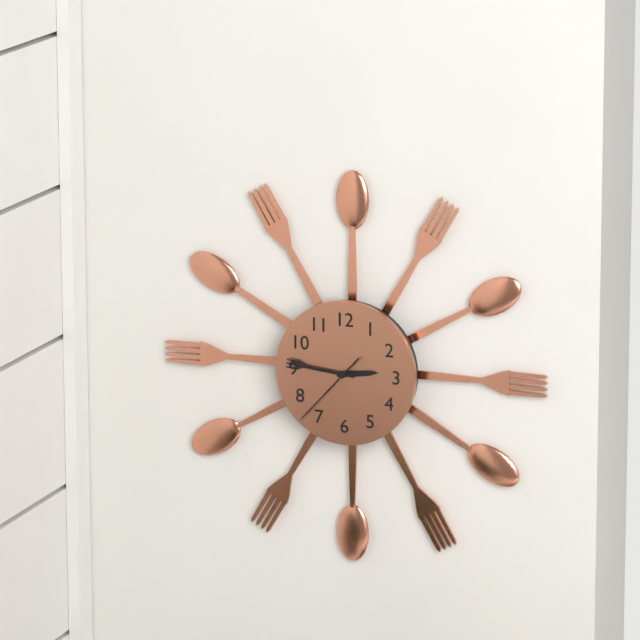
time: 2:46:37
